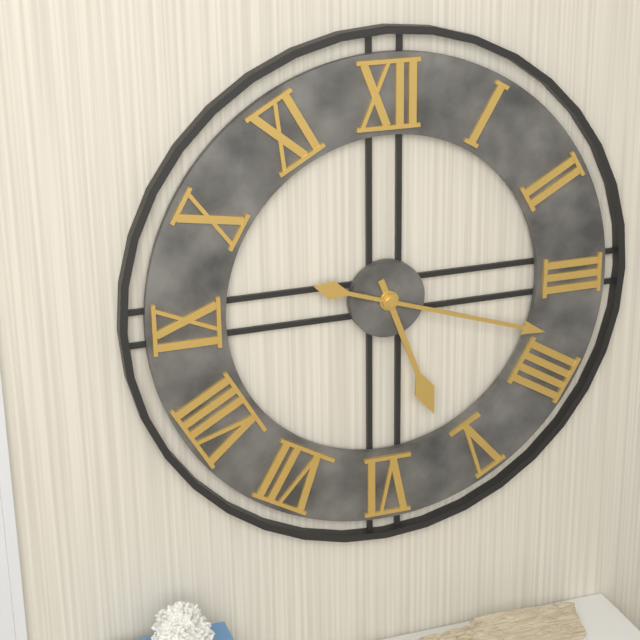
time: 5:18
